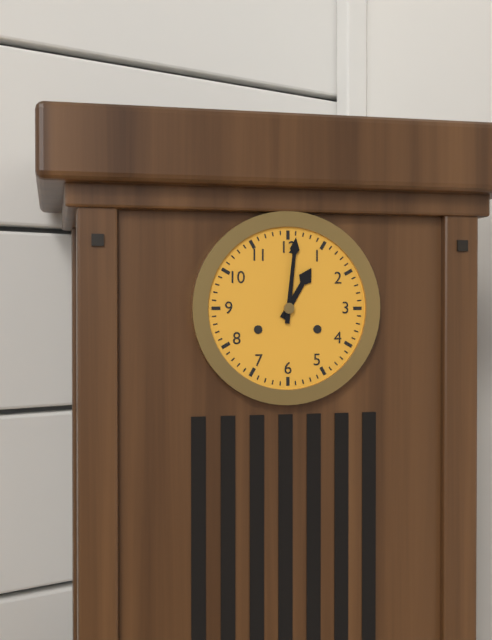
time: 1:01
